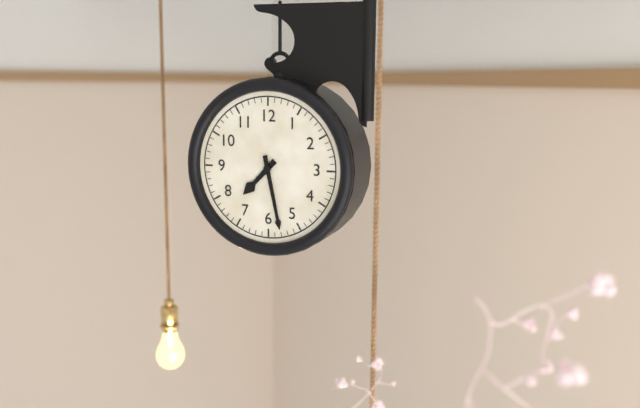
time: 7:28
